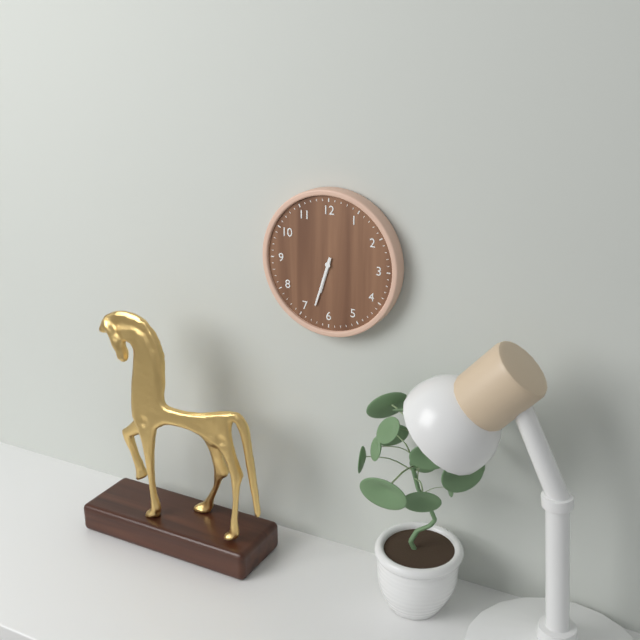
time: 6:33
